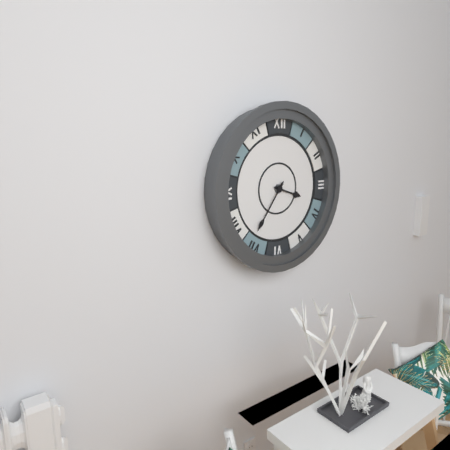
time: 3:36
